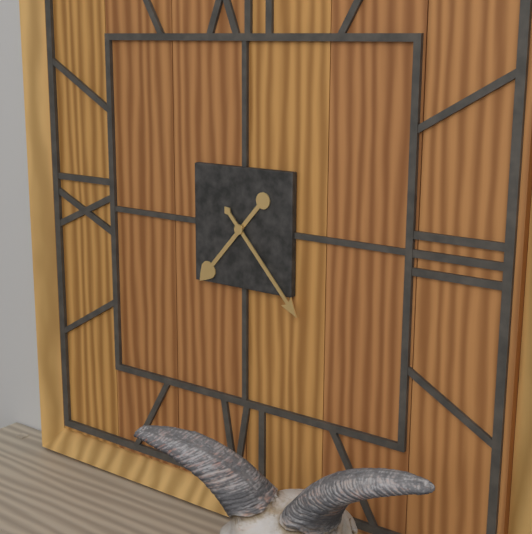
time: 7:23
